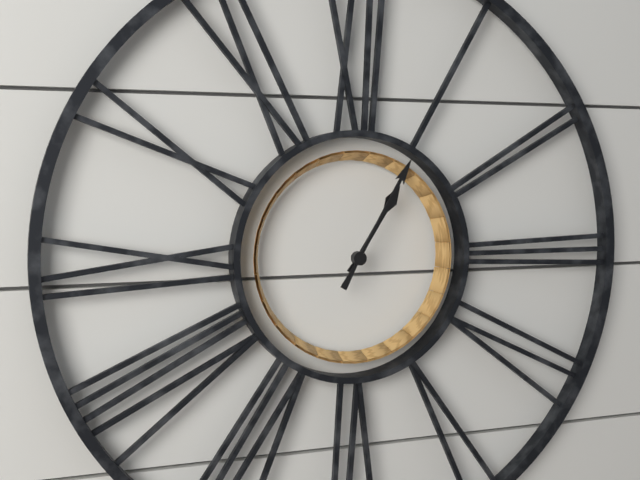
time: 1:05
